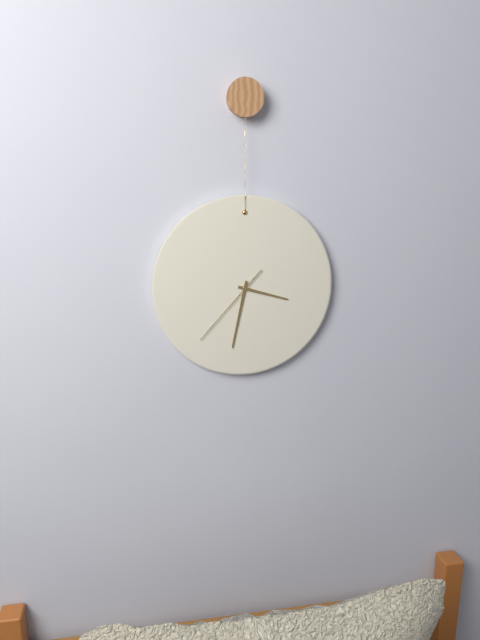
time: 3:32:37
